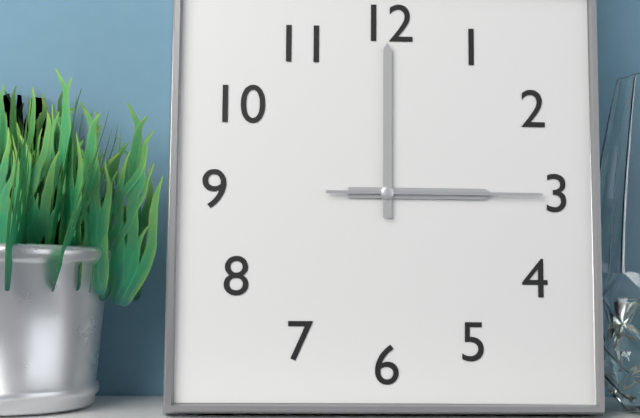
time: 3:00:15
